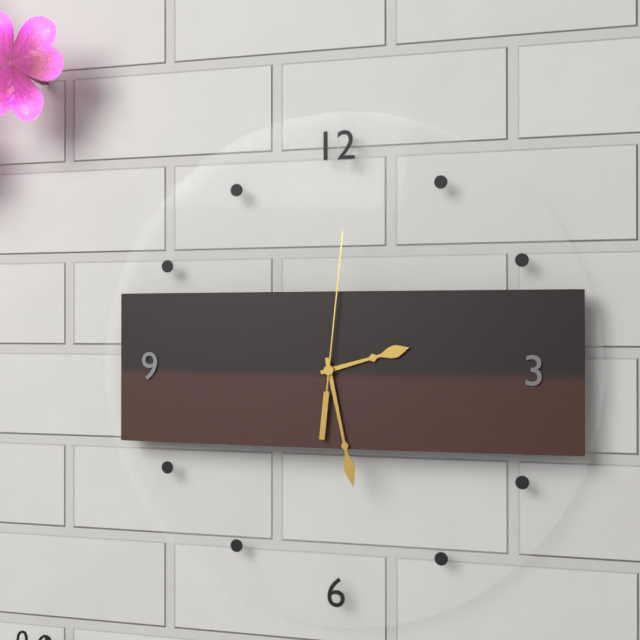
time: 2:28:01
